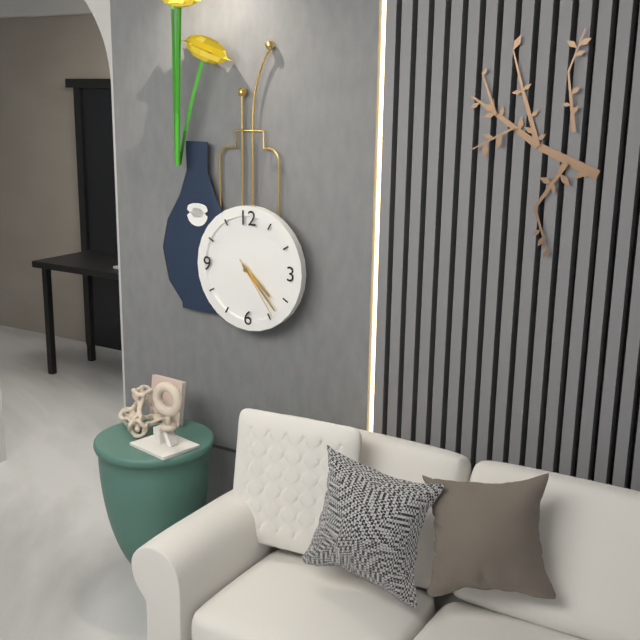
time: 4:23:24
